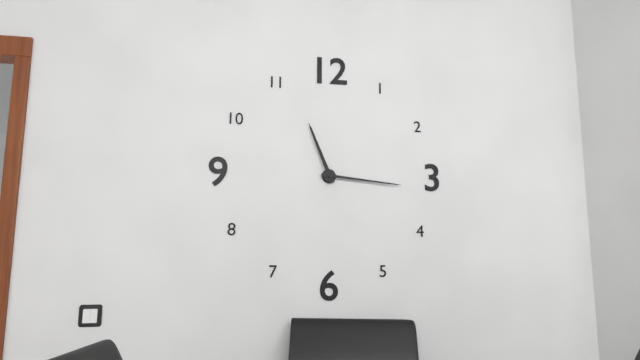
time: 11:16
